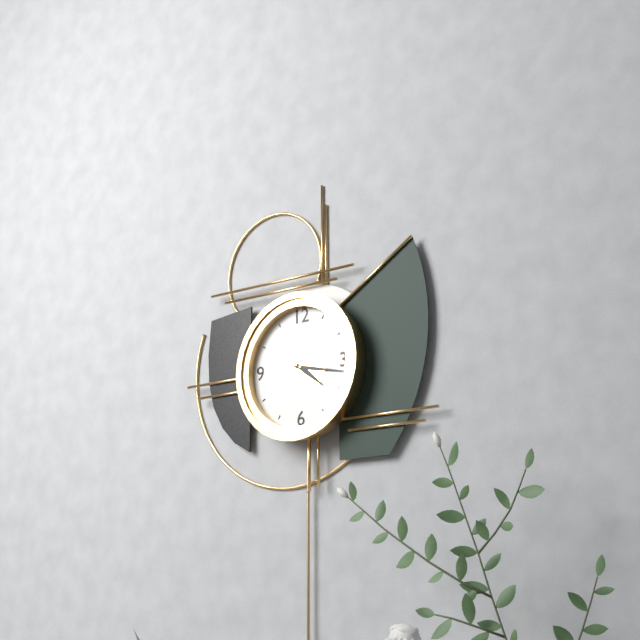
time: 4:17
